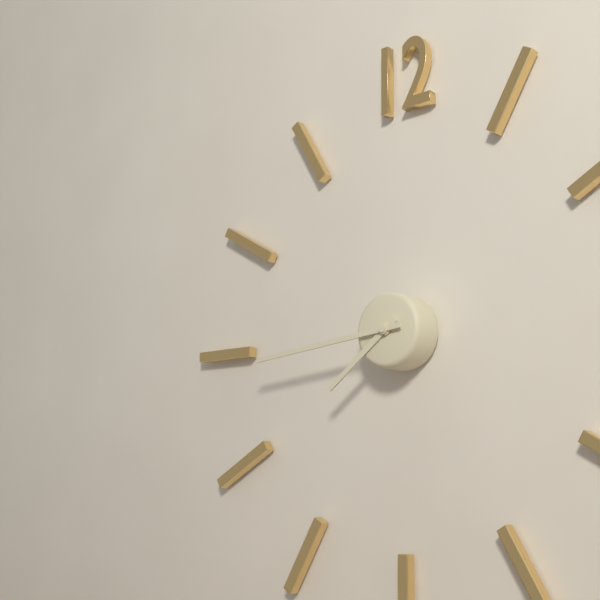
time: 7:44
